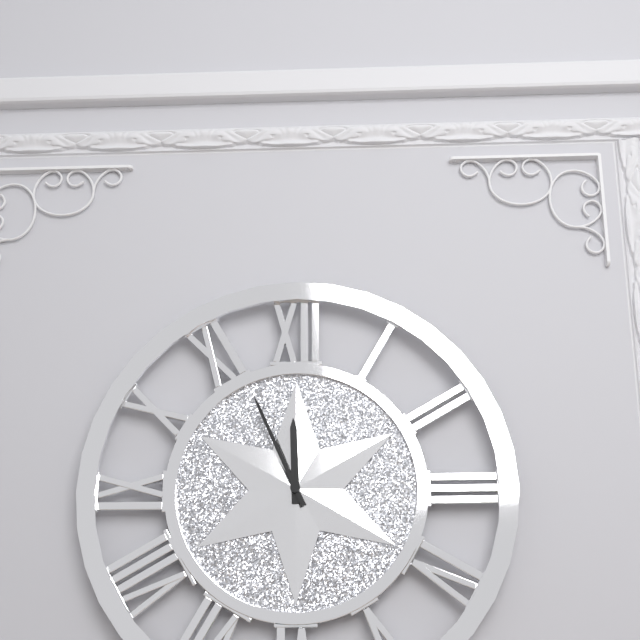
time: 11:56
